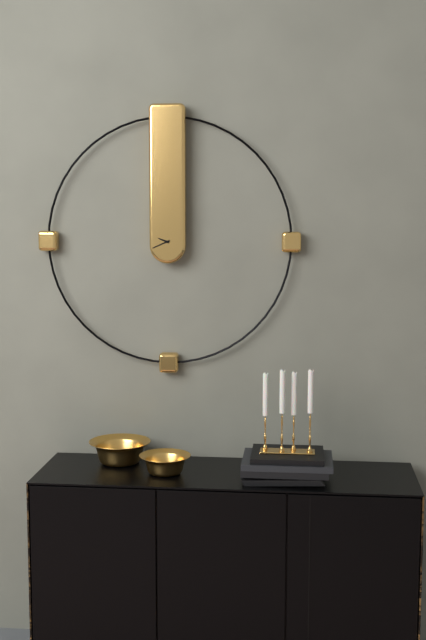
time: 9:41
